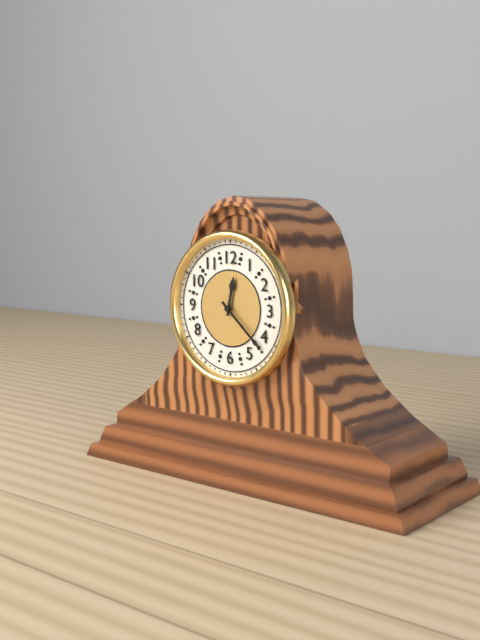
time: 12:22
